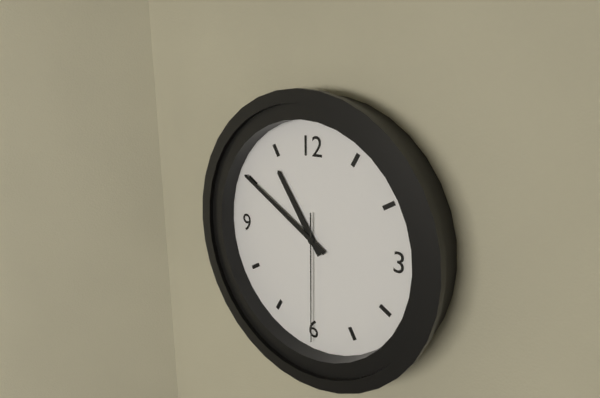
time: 10:50:30
